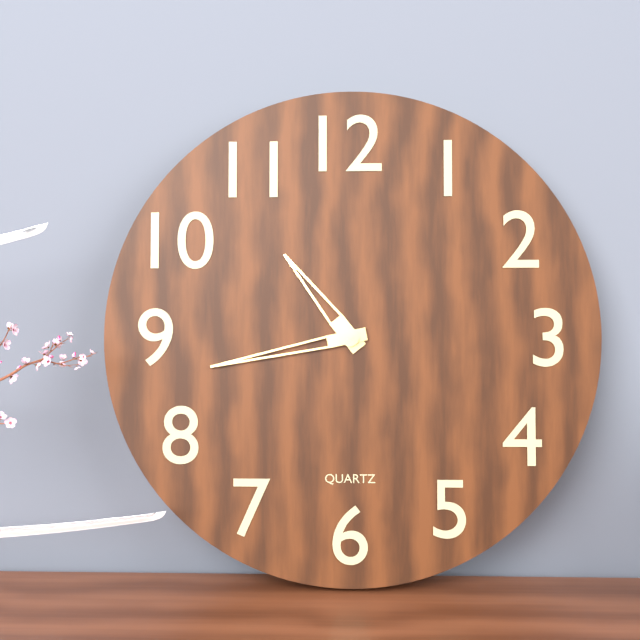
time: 10:43
